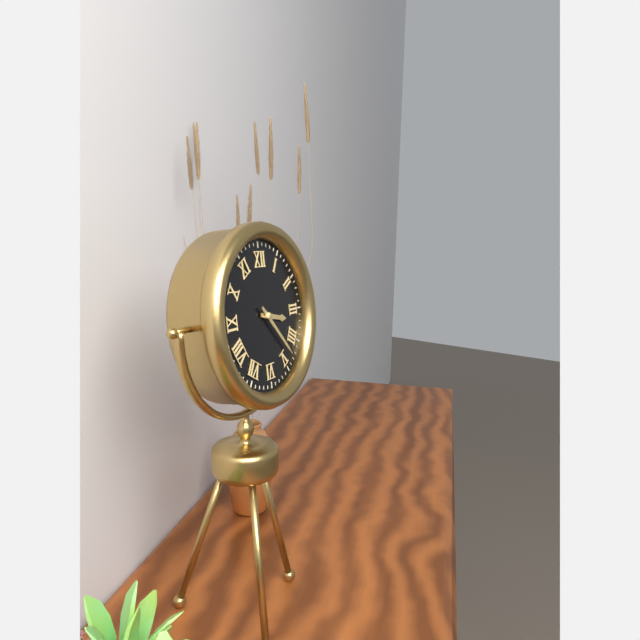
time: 3:23
